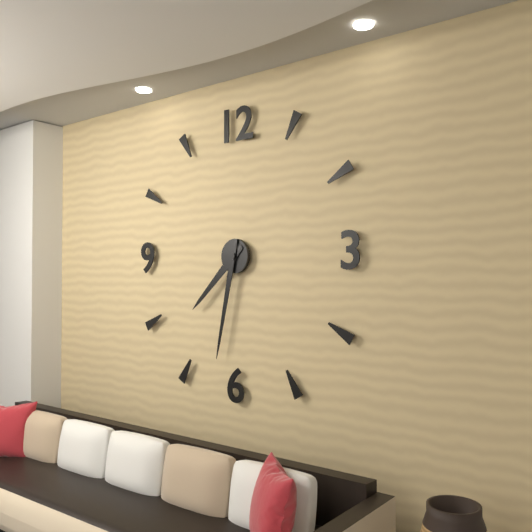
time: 7:32
